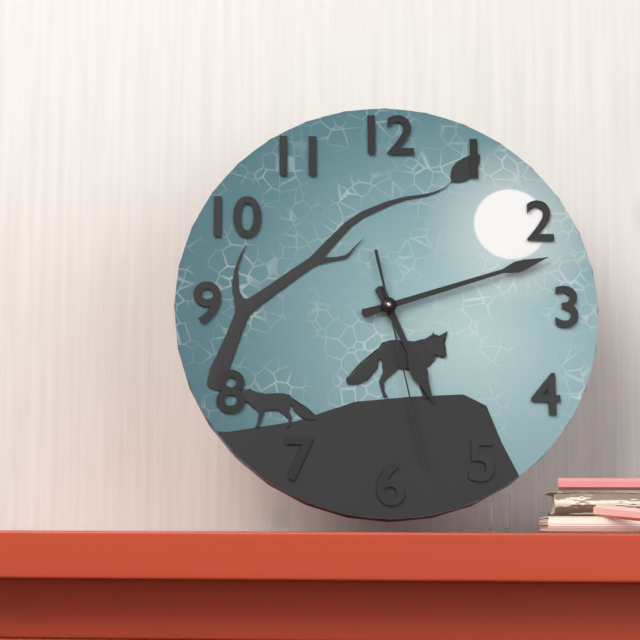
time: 5:12:28
